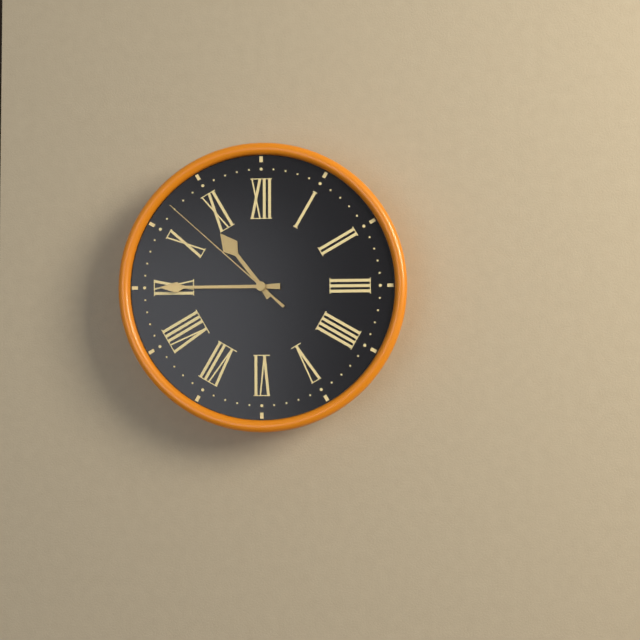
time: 10:45:52
